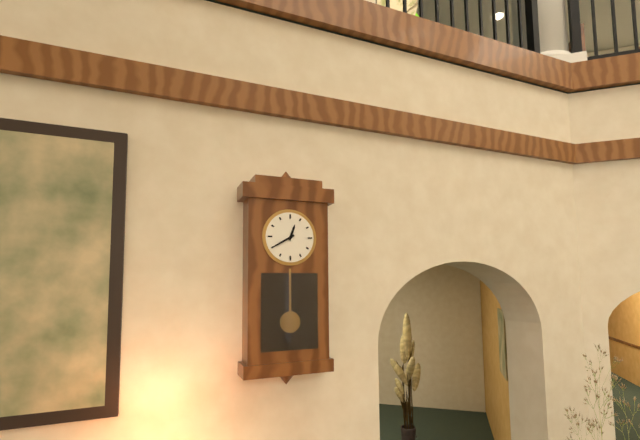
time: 12:40
